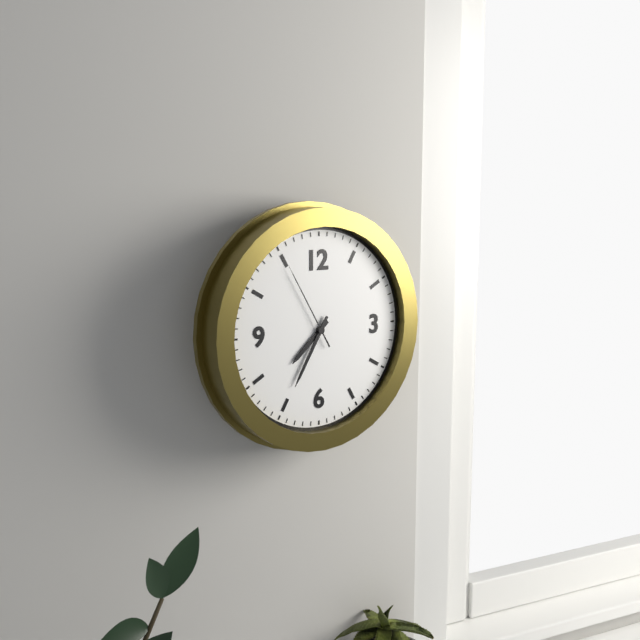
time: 7:35:55
